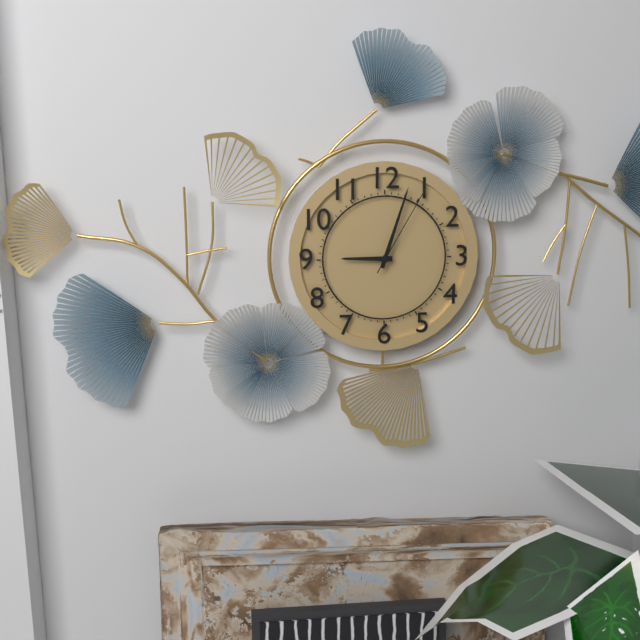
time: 9:03:05
